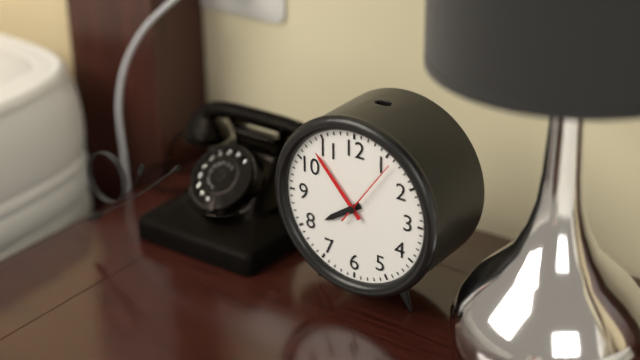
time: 7:53:06
